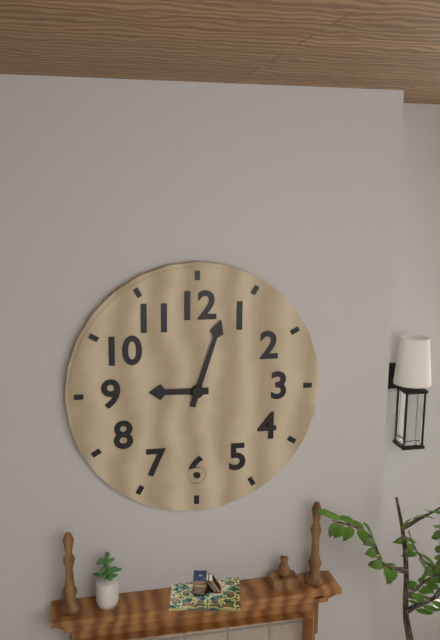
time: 9:03
